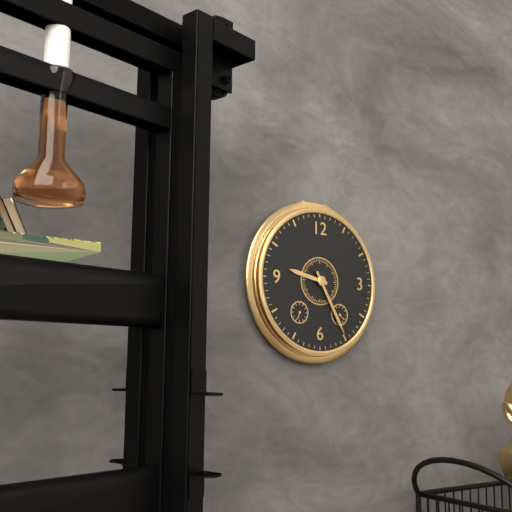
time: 9:25
